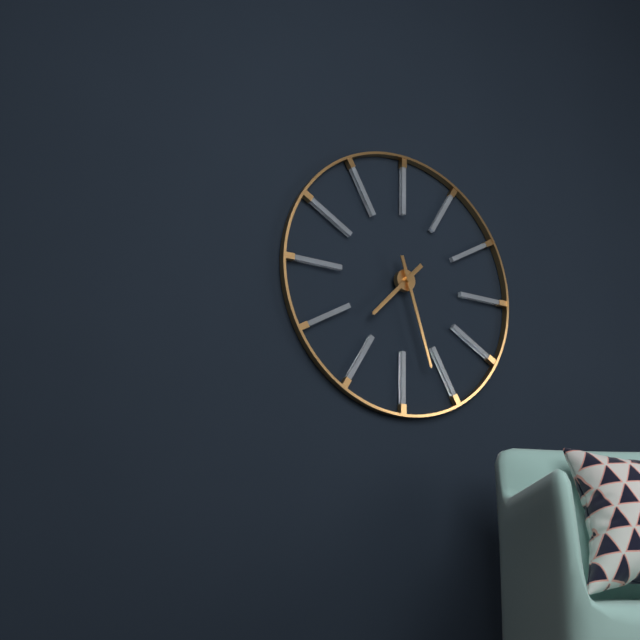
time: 7:27
